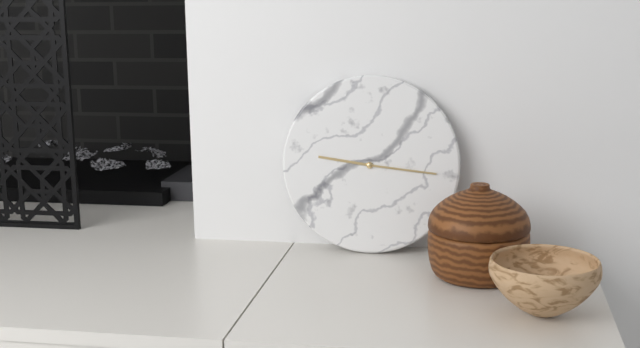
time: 9:16
